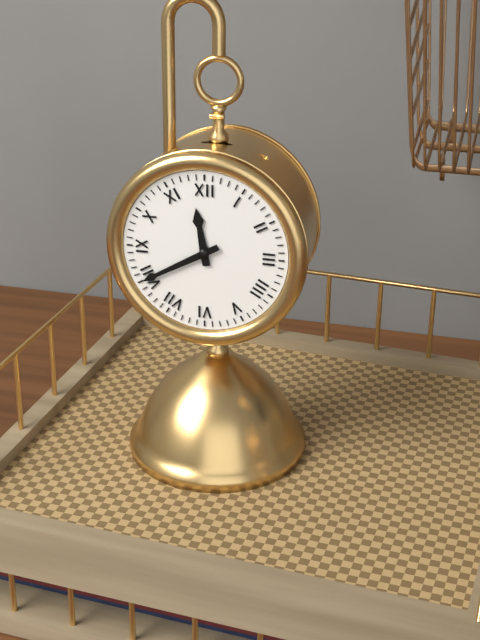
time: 11:40
